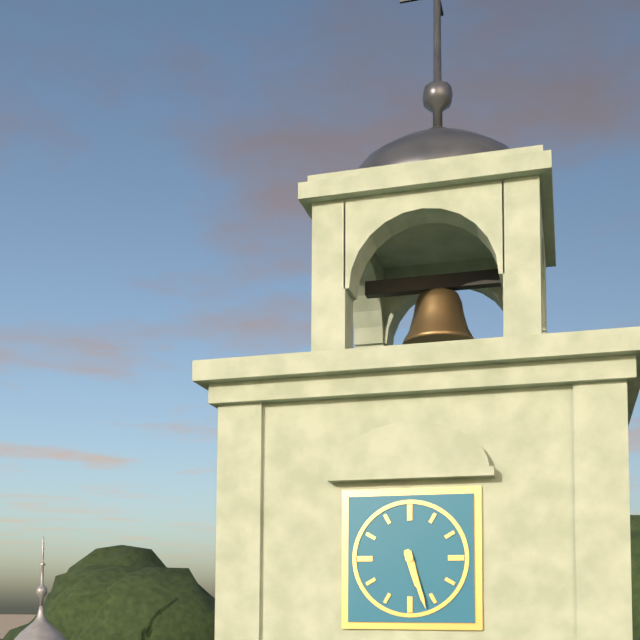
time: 5:27
